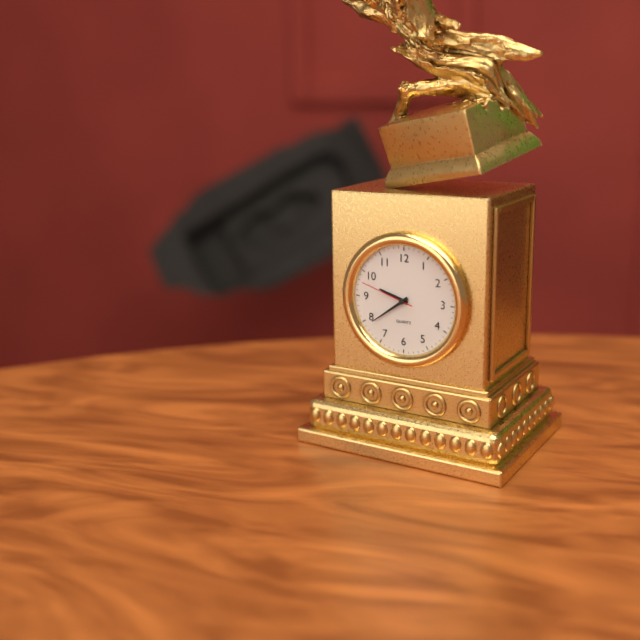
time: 9:39:48
